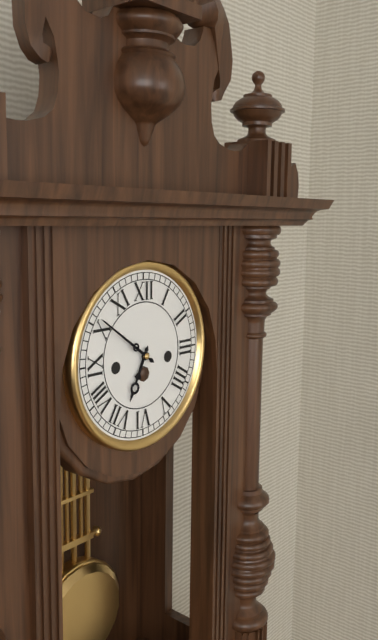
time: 6:51
